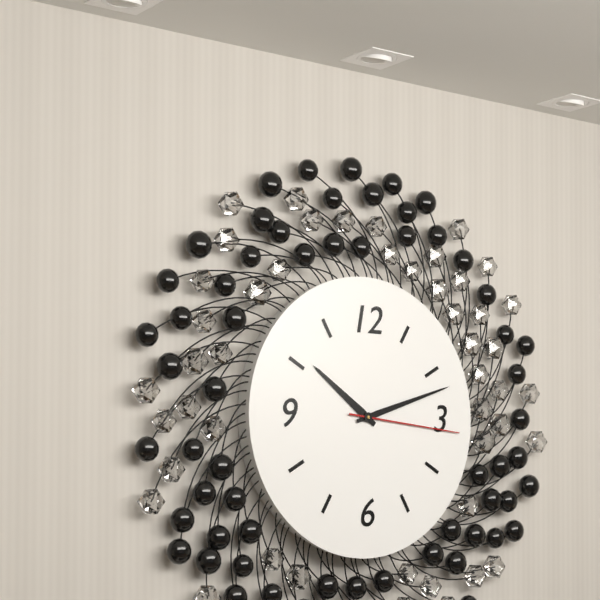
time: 10:12:16
